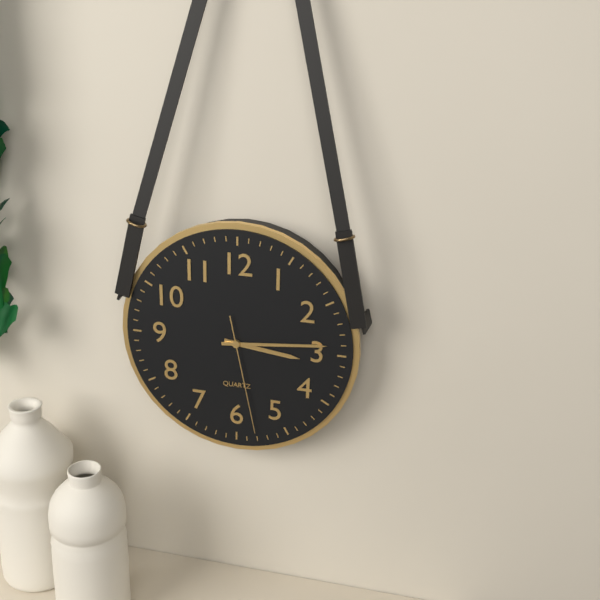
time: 3:14:28
